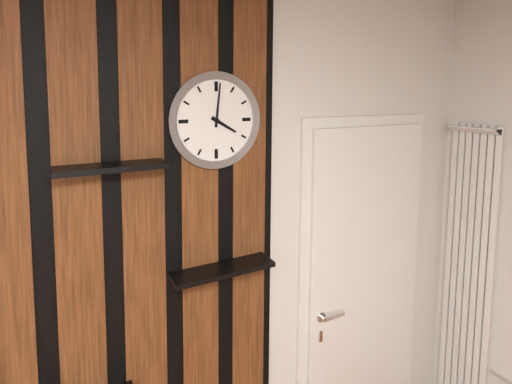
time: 4:01
